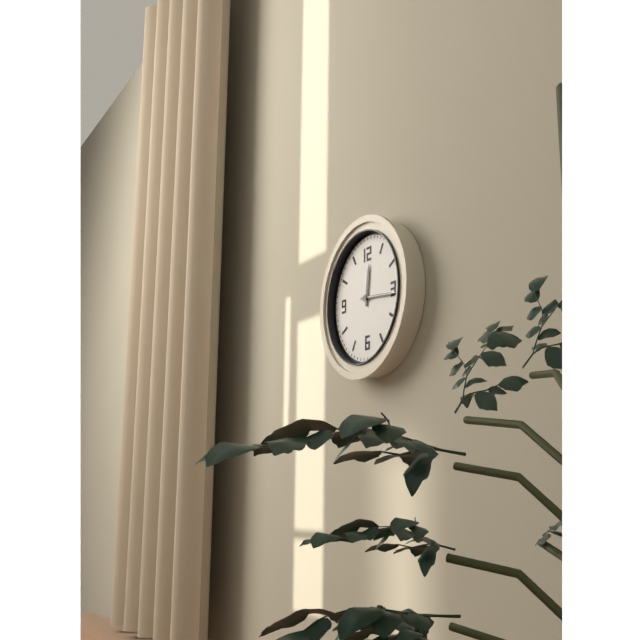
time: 12:16
